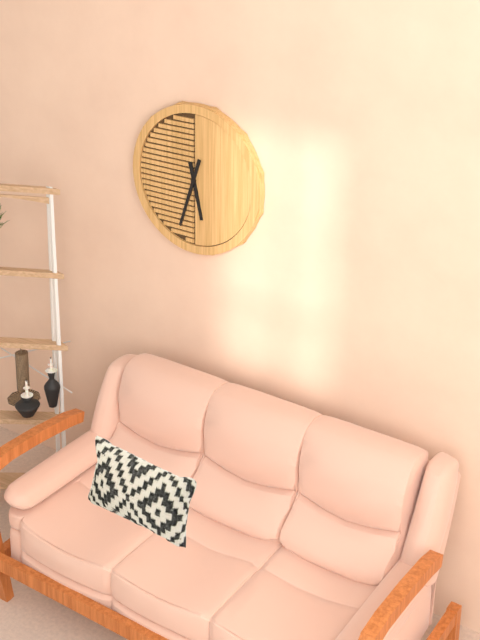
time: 5:33
